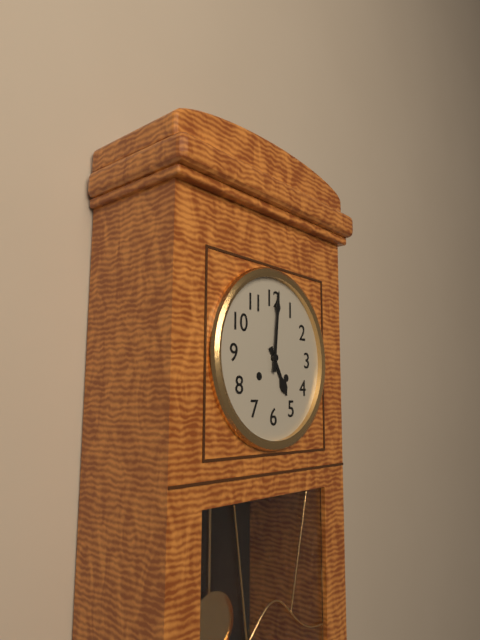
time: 5:01
